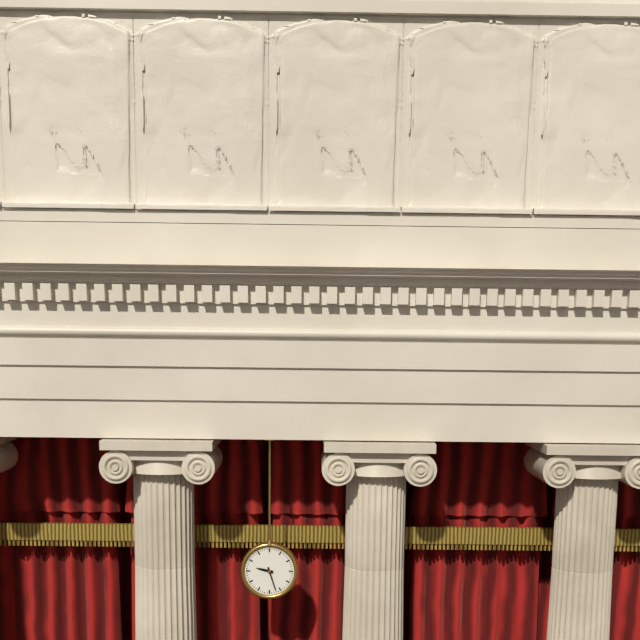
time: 9:27
